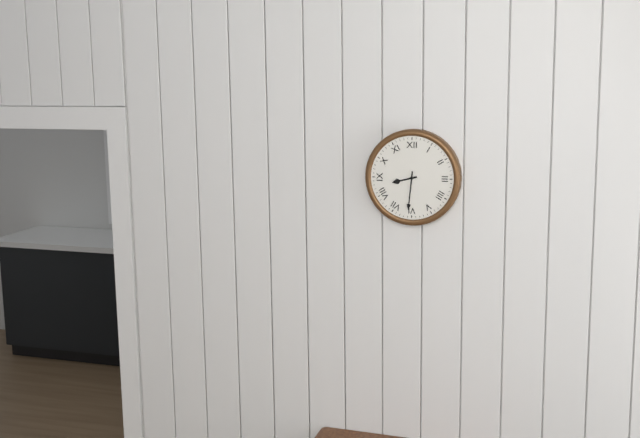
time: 8:31
